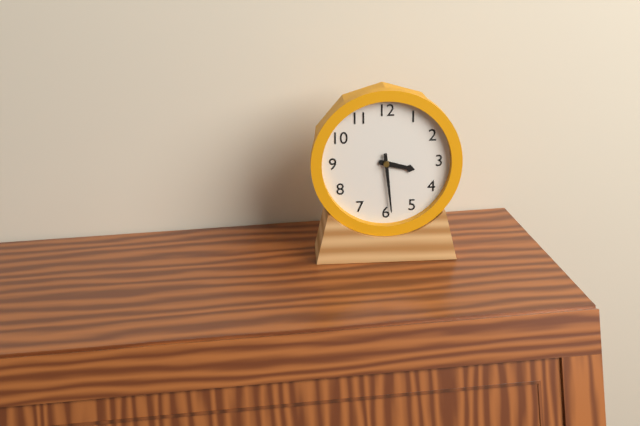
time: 3:29
